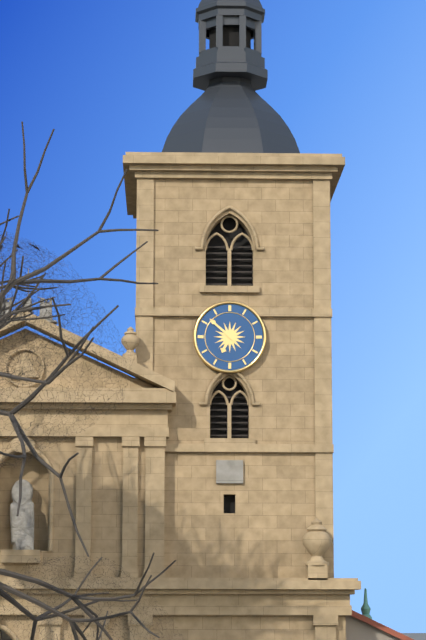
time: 6:52
